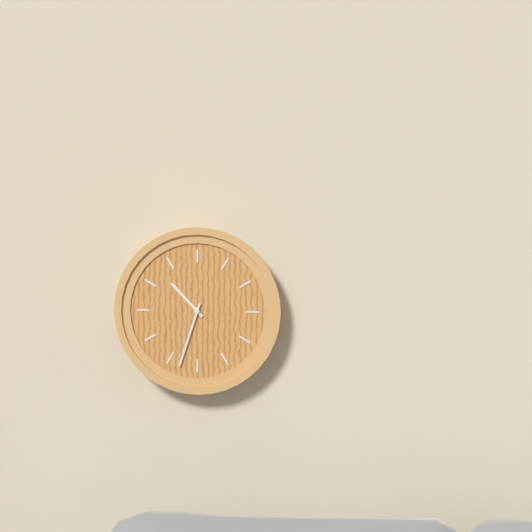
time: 10:33
